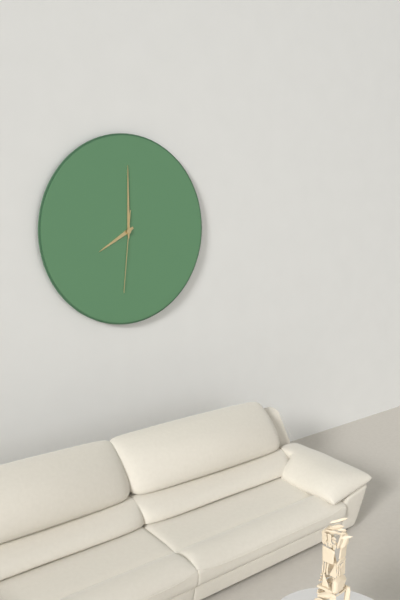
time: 8:00:31
